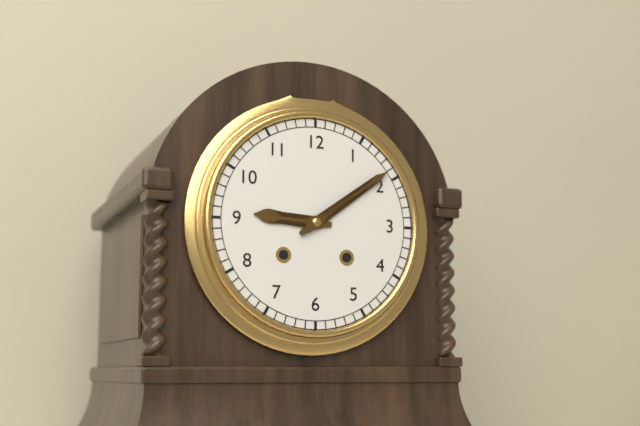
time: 9:09
